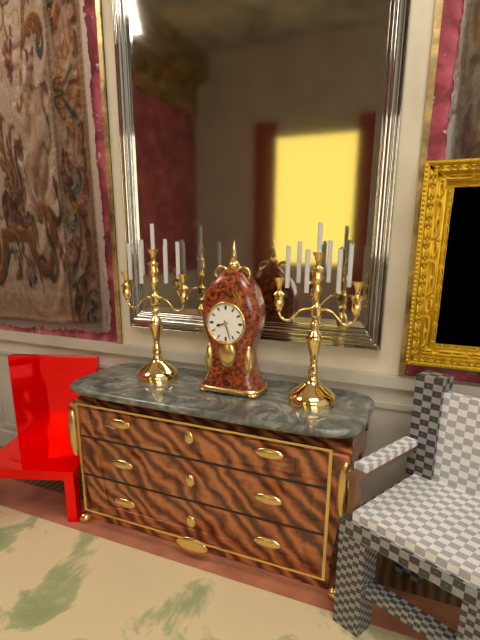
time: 8:27
